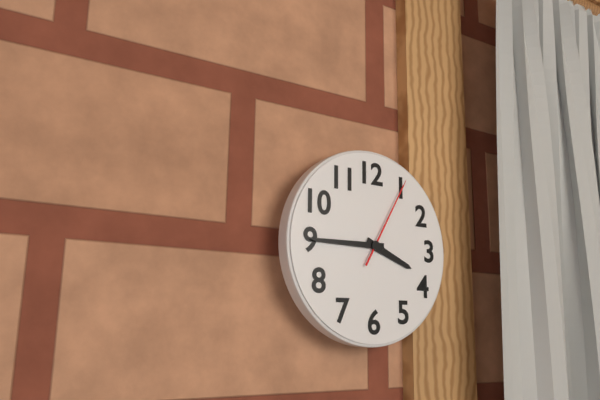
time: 3:45:05
